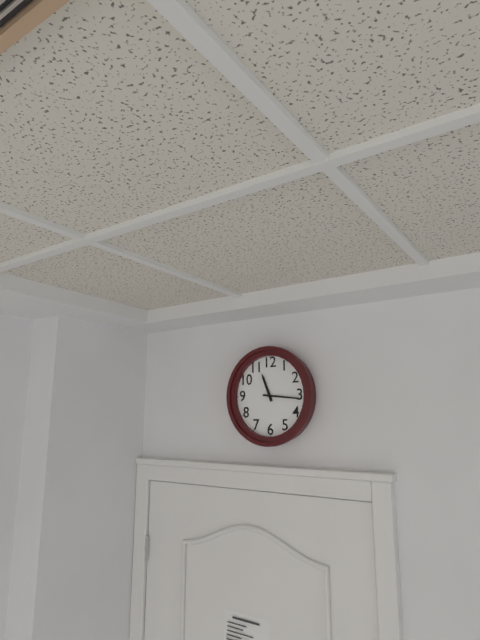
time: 11:16
